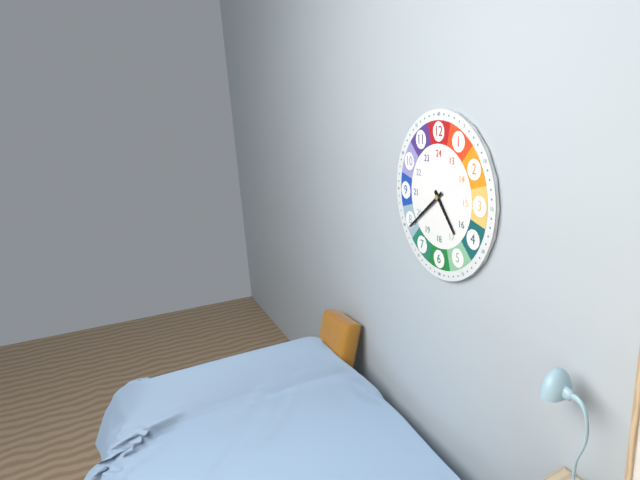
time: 4:39
